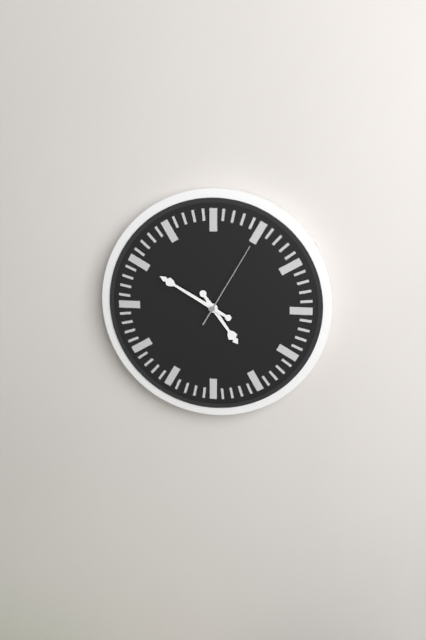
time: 4:50:05
